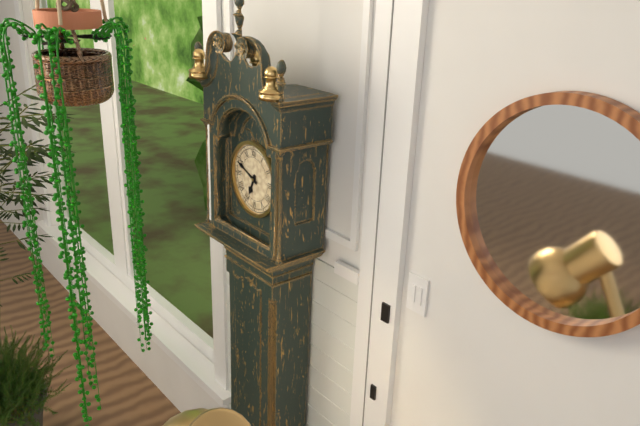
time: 6:49
